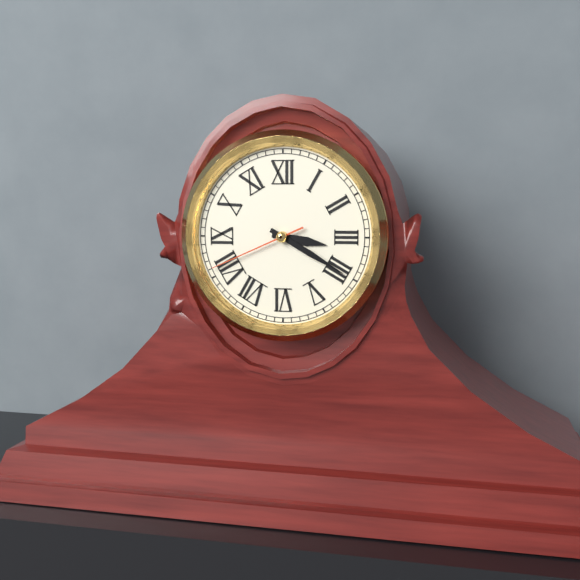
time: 3:20:41
